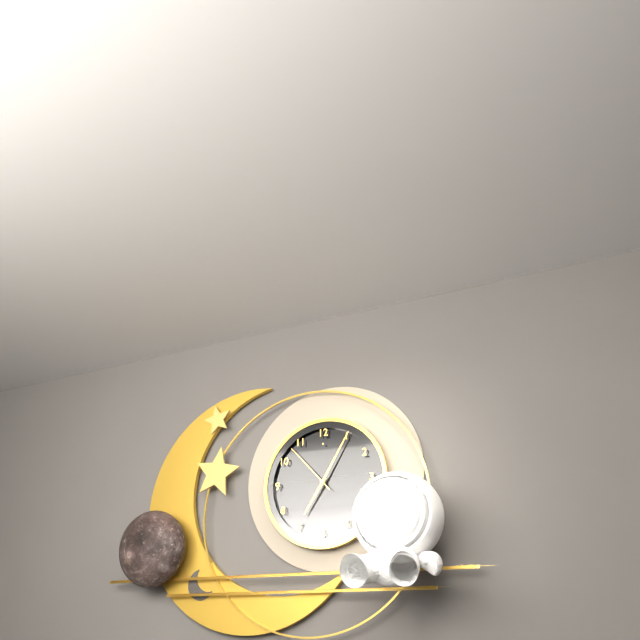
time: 7:05:53
